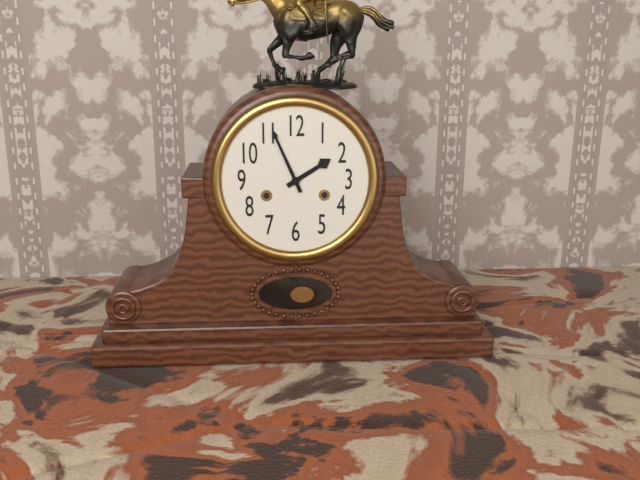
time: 1:56
